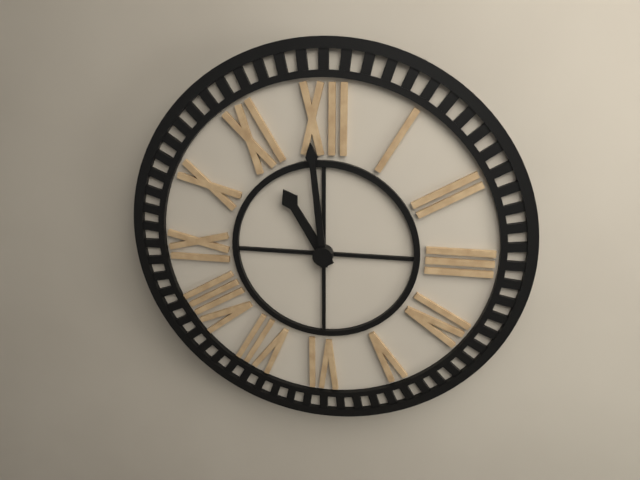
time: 10:59
